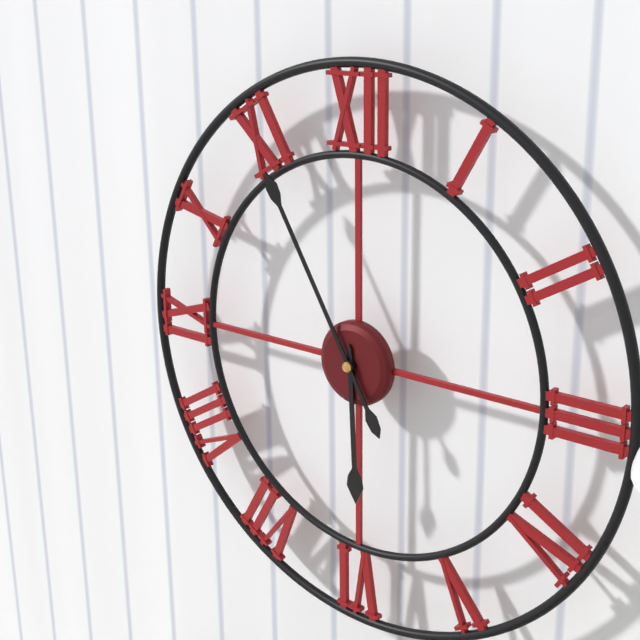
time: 5:55
